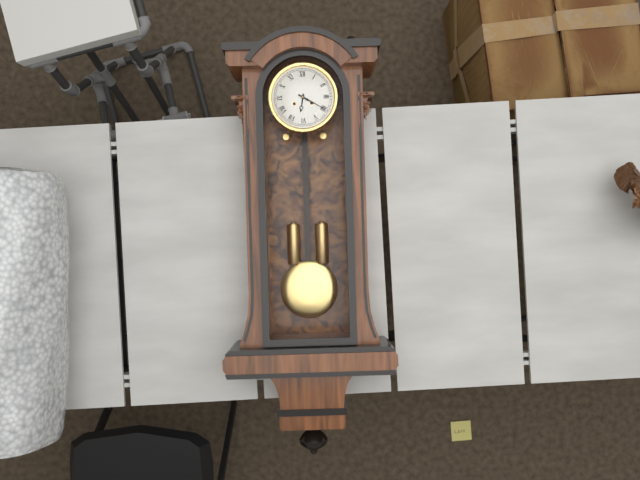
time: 6:20
